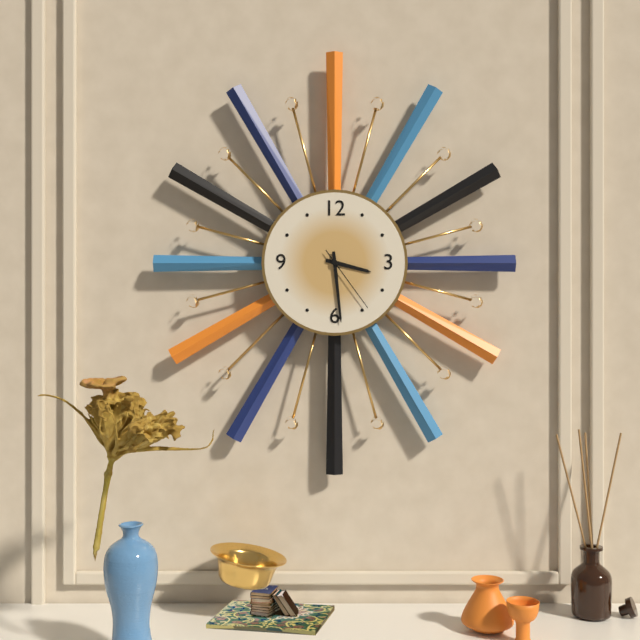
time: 3:29:24
